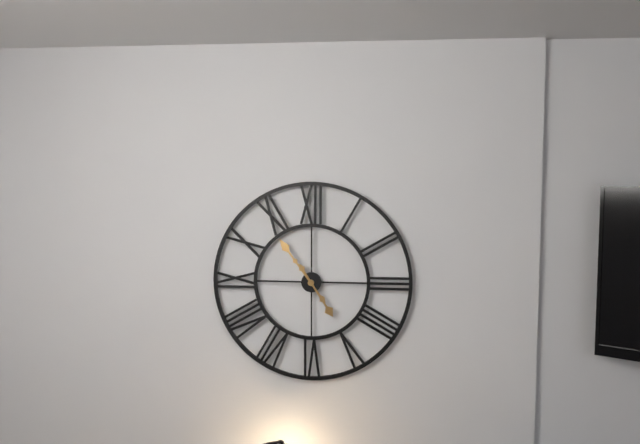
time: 4:54
